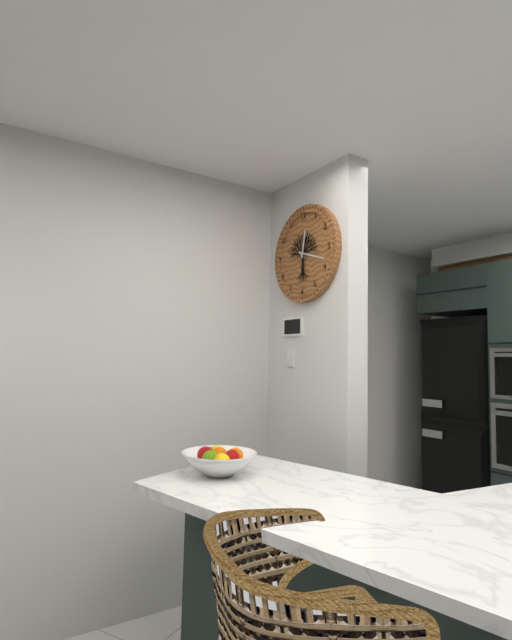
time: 12:18
